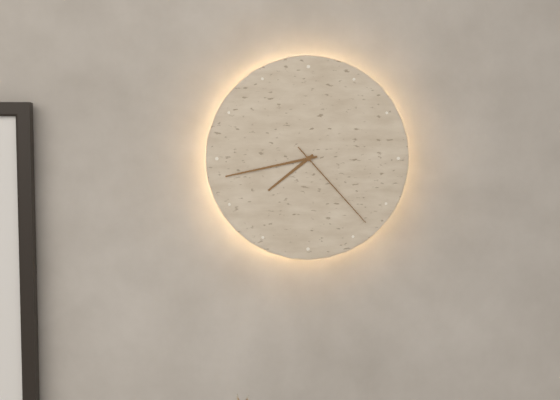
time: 7:43:23
